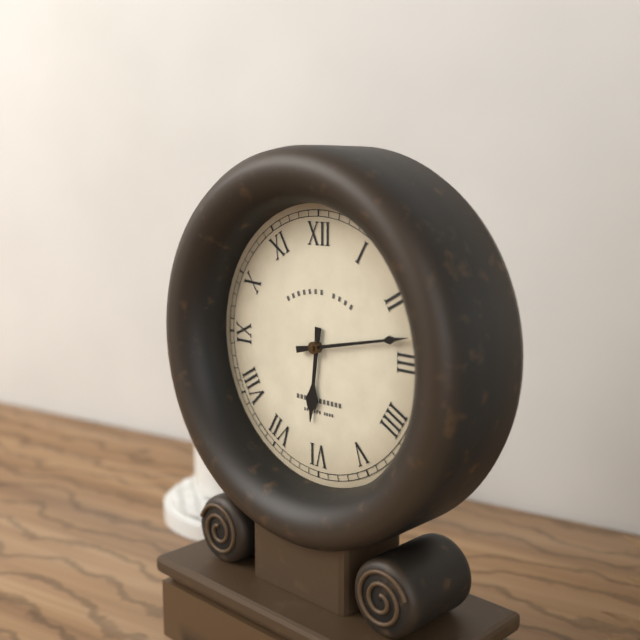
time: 6:13
